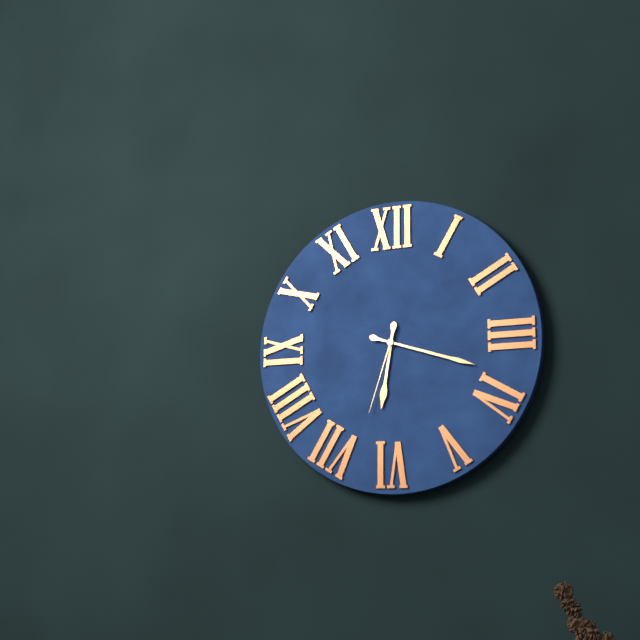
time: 6:18:33
